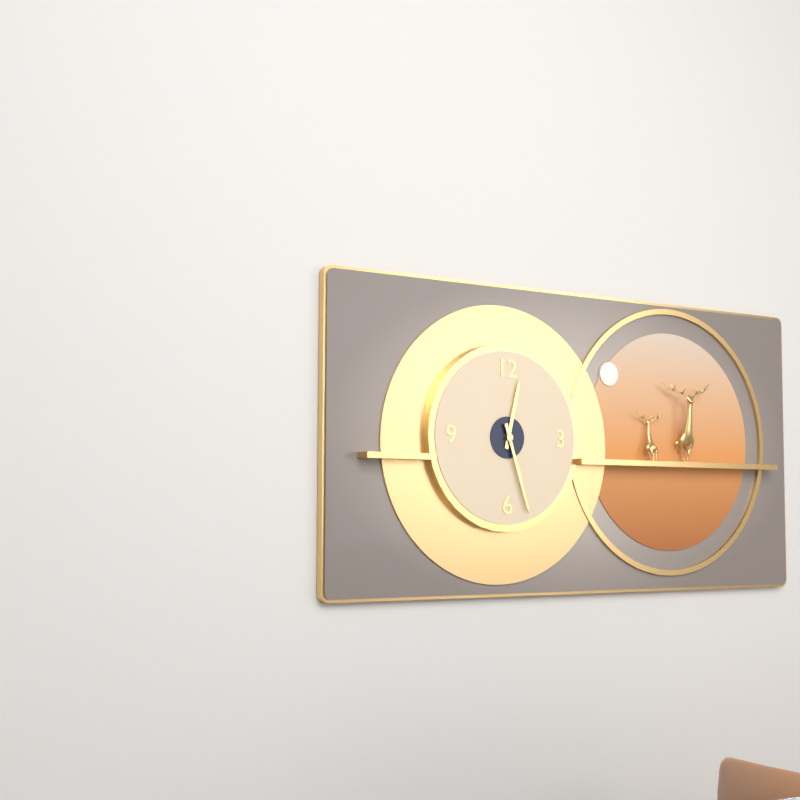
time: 12:27
